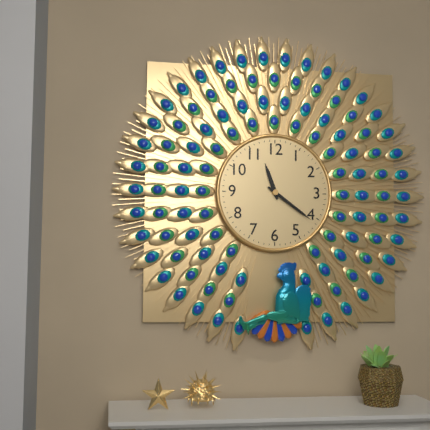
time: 11:21
